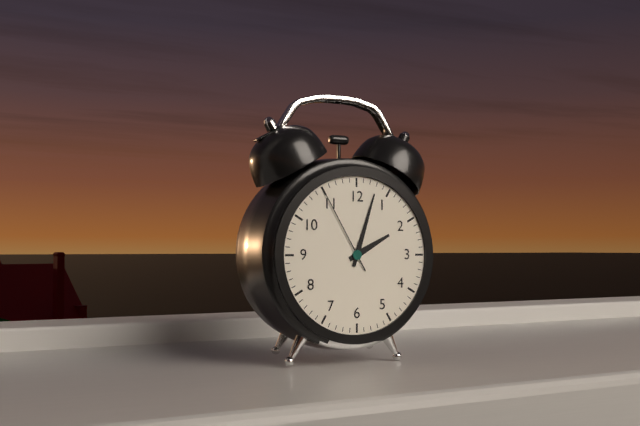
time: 2:03:55
